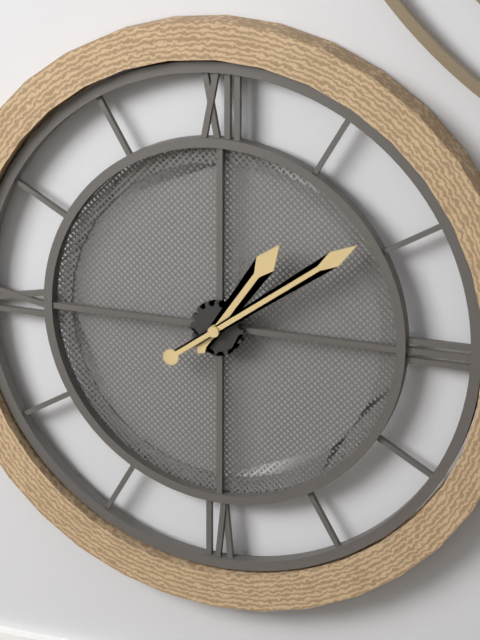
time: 1:09
